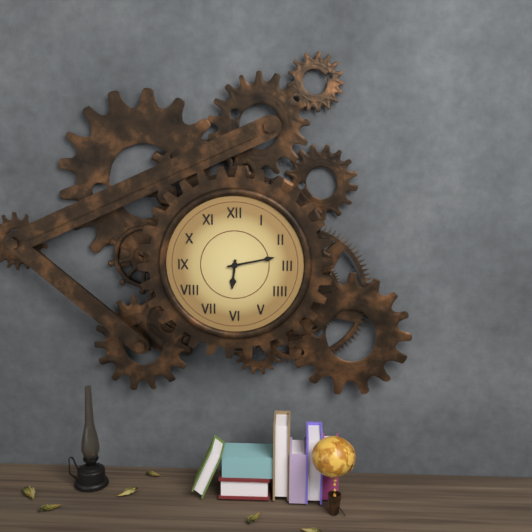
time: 6:13
